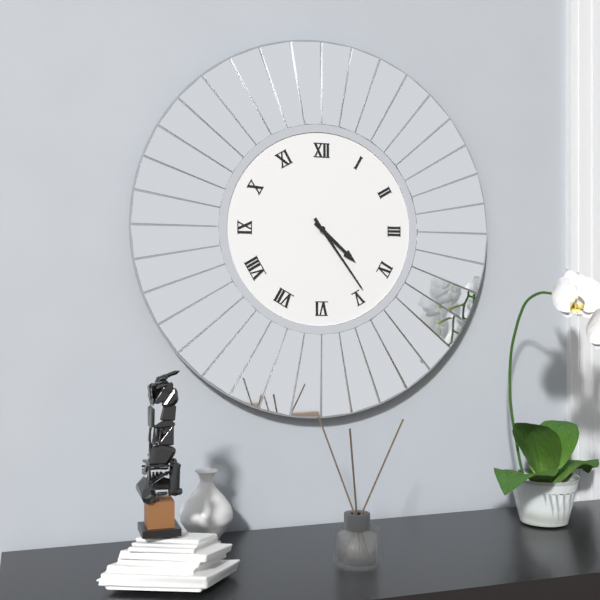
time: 4:24
